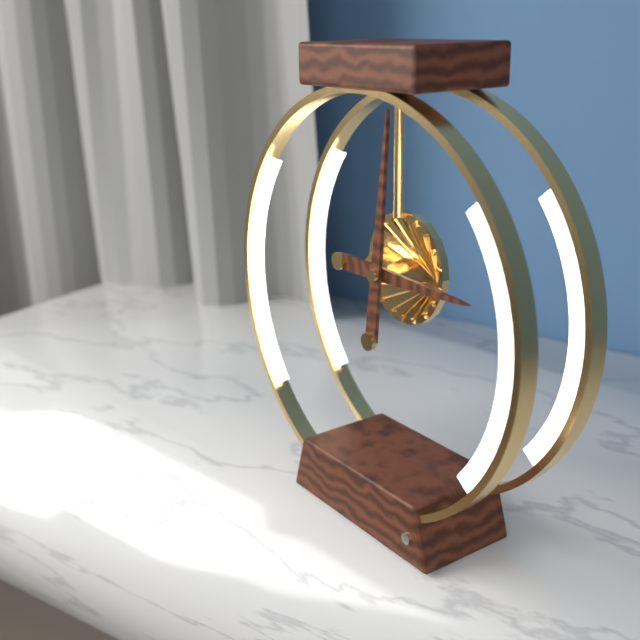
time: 3:01
